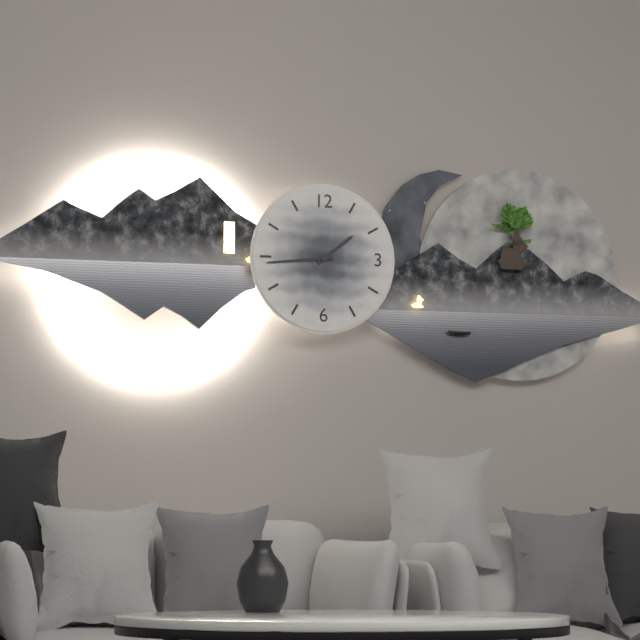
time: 1:44
